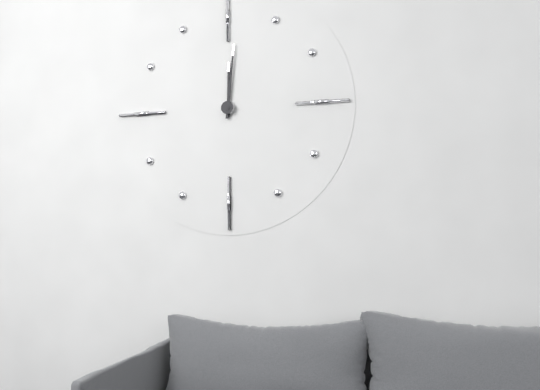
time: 12:01
